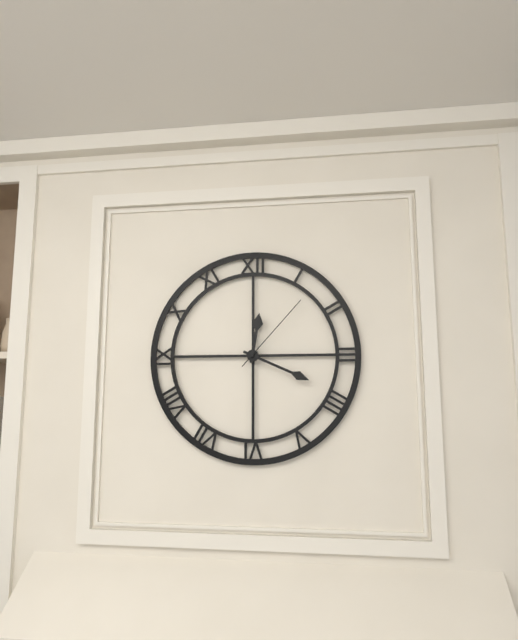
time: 12:19:07
